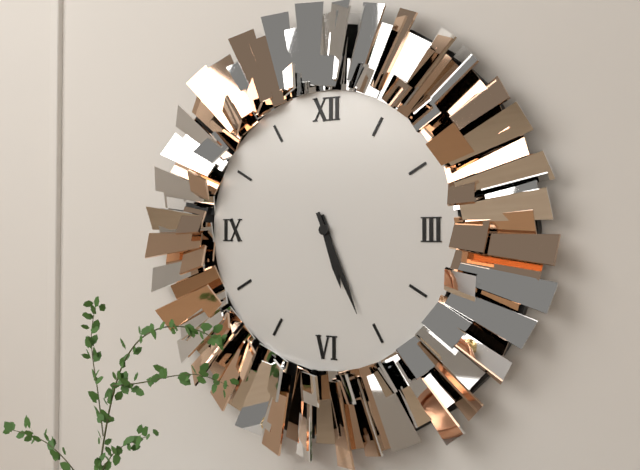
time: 5:26
